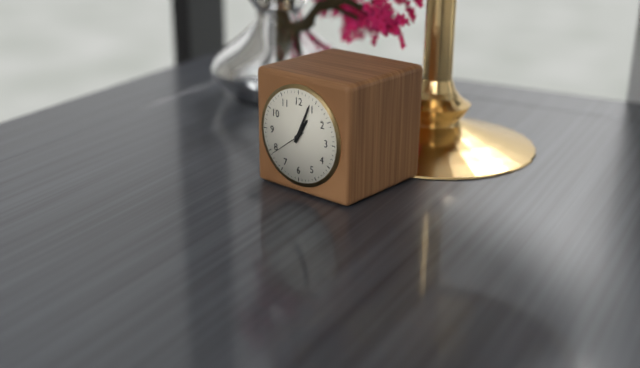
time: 1:04
